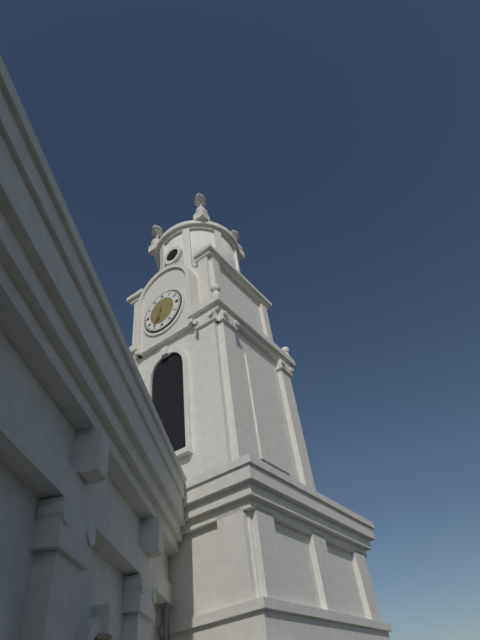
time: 6:35
